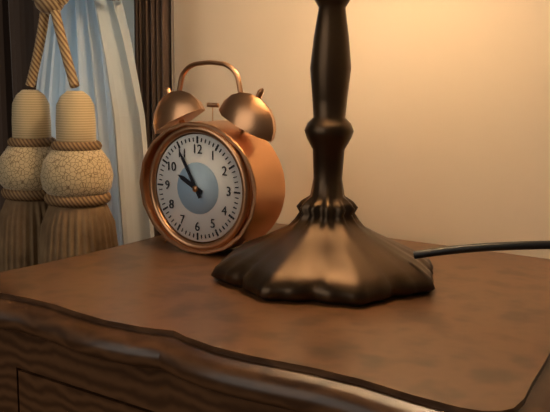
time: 9:55
